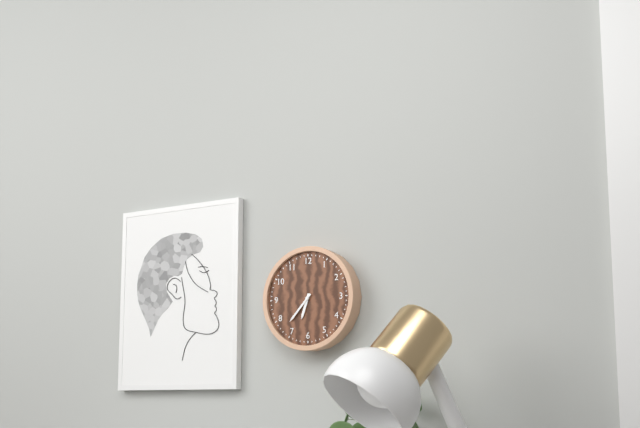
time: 6:37
